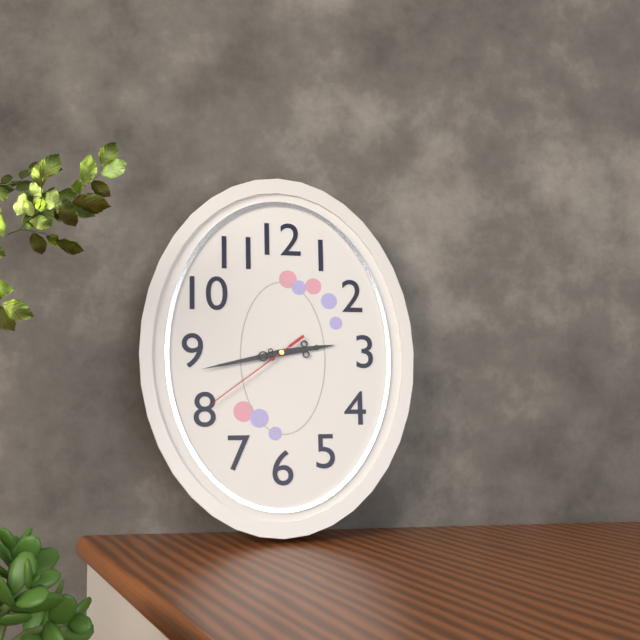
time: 2:43:39
